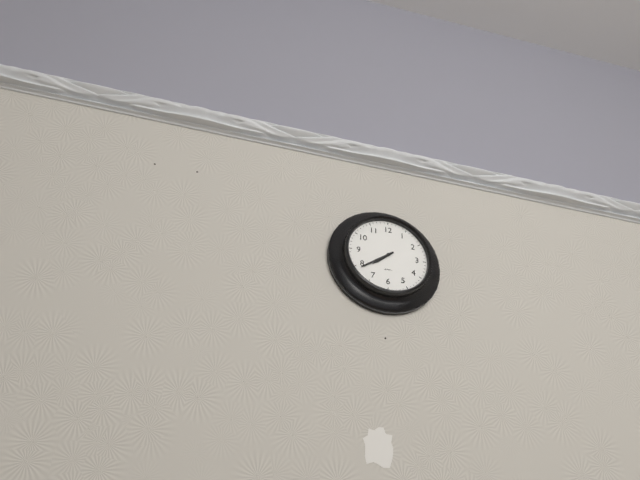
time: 7:39
